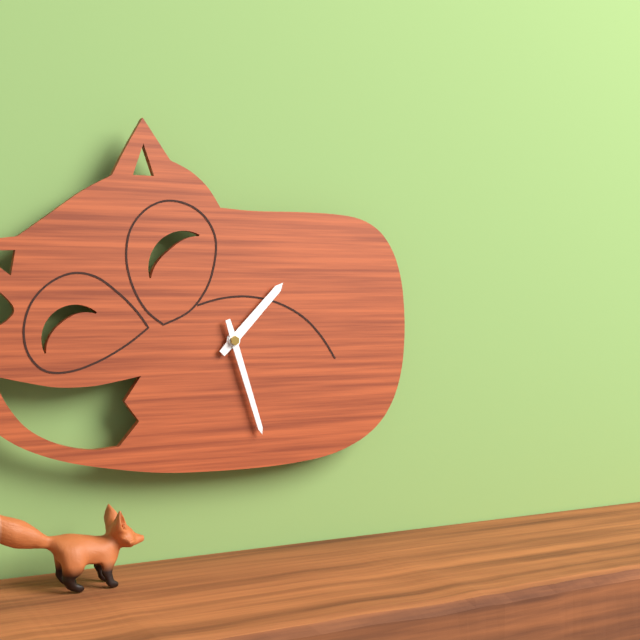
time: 1:27
